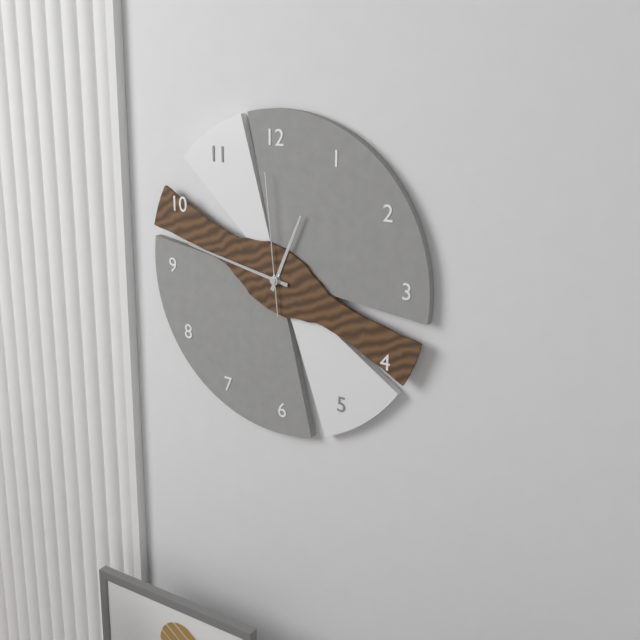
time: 12:47:59
